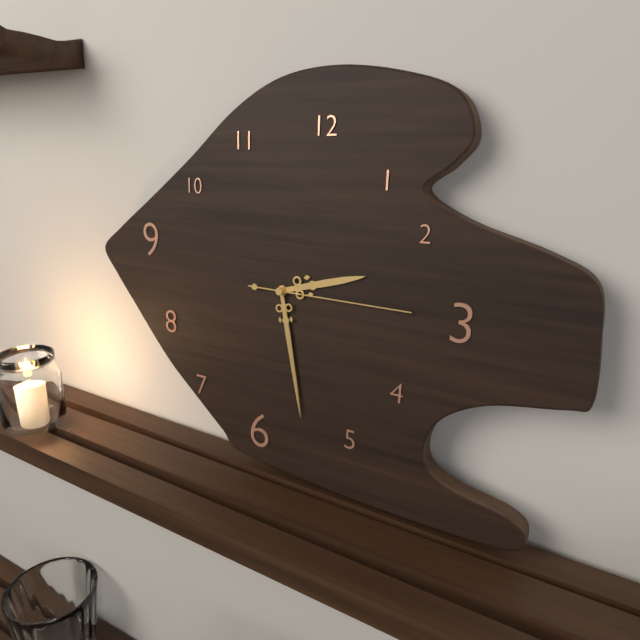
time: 2:28:15
